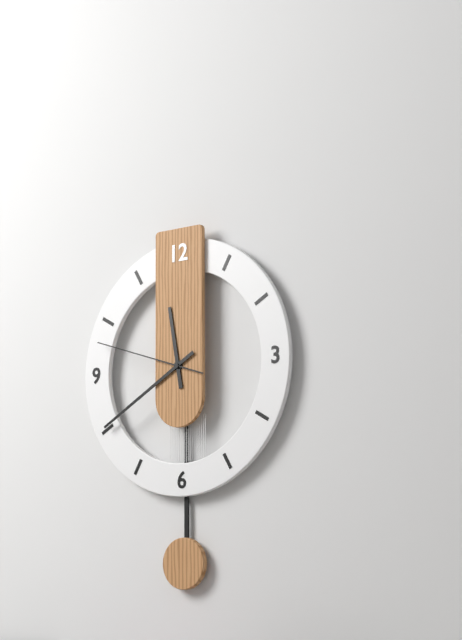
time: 11:40:48
